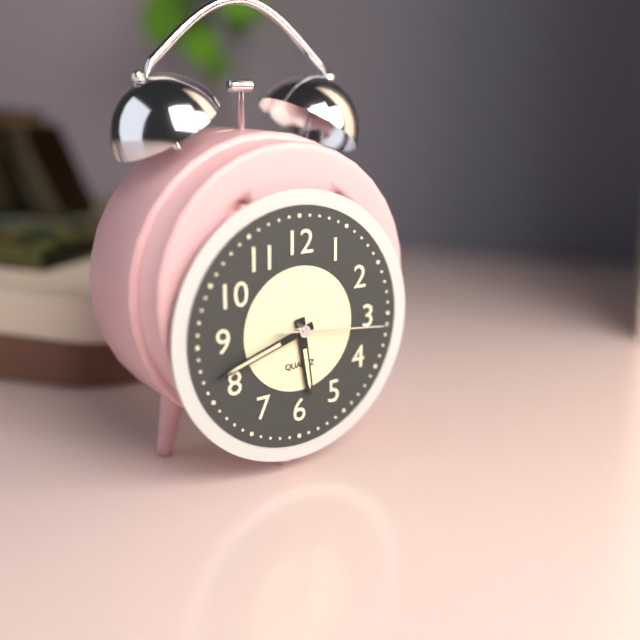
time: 5:42:16
